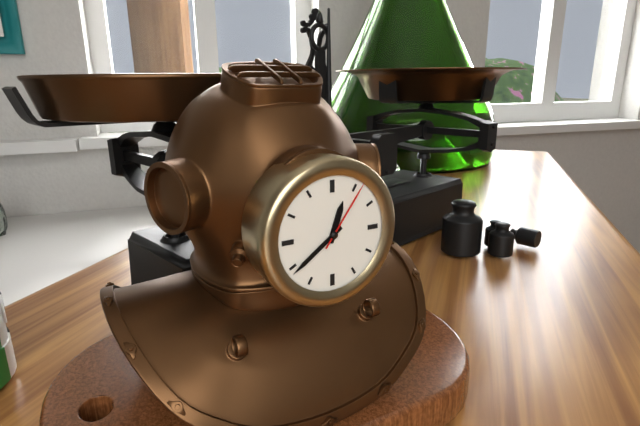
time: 12:39:06
